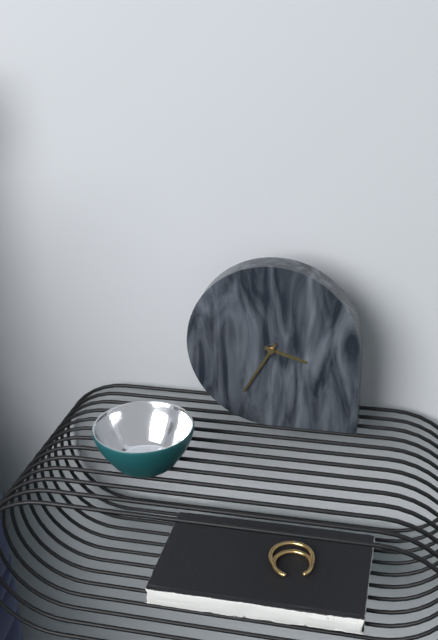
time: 3:35
